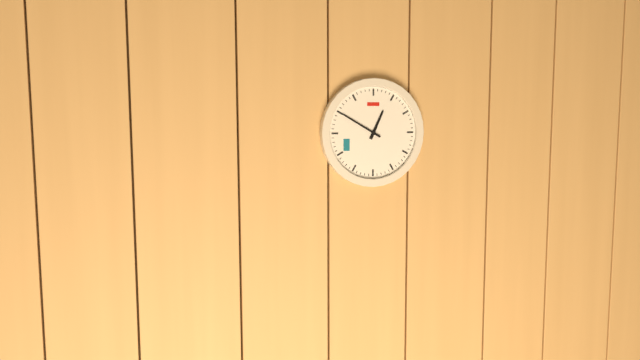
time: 12:50
